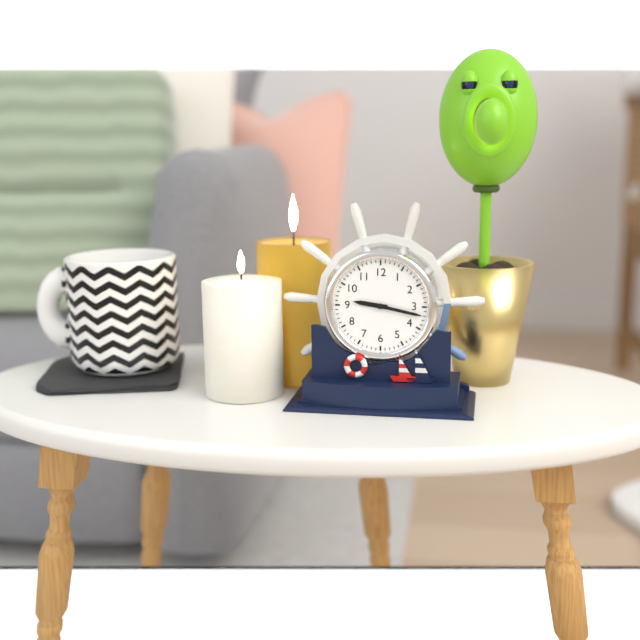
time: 9:17
